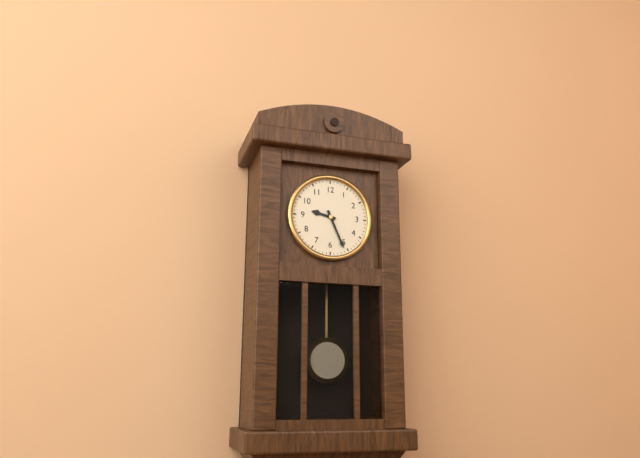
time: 9:26
